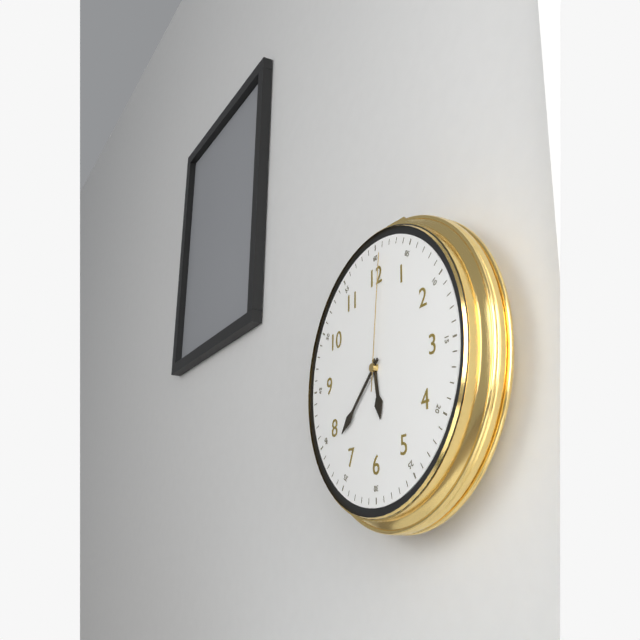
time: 5:38:01
